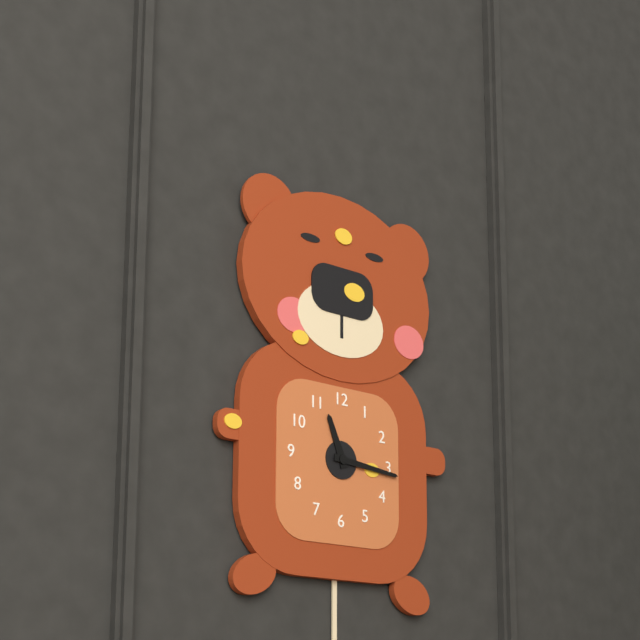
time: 11:16
